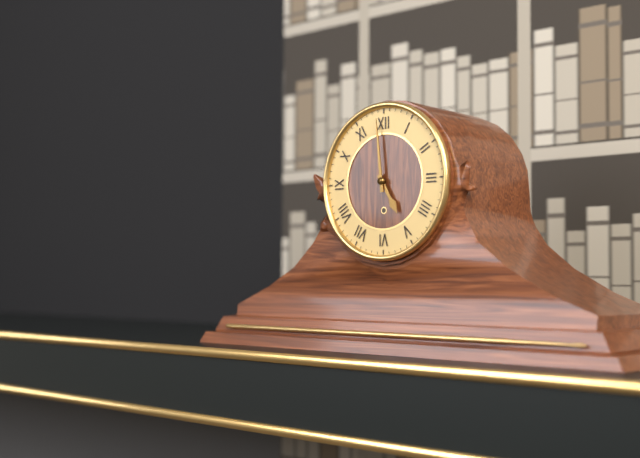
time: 4:59
